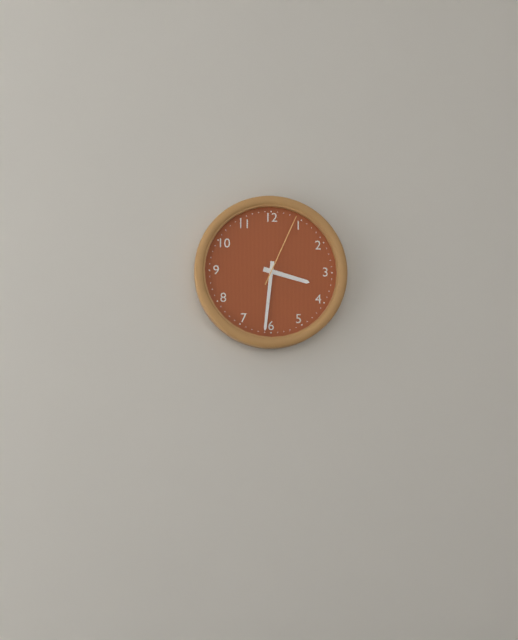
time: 3:31:04
